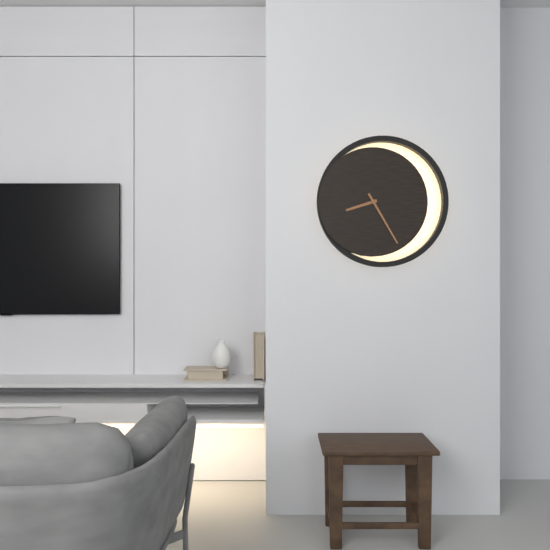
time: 8:25
